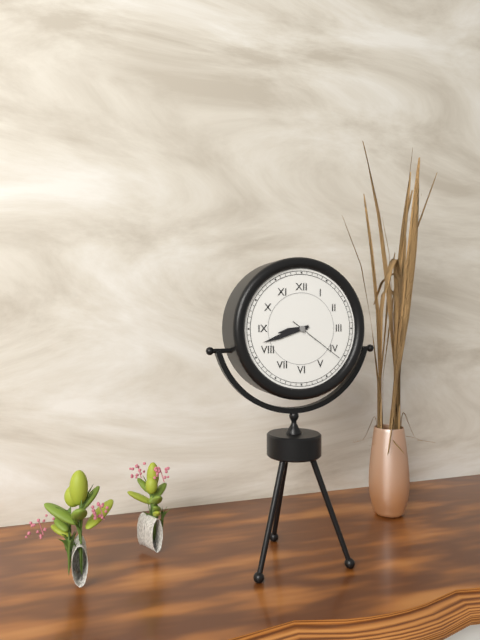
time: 8:42:21
